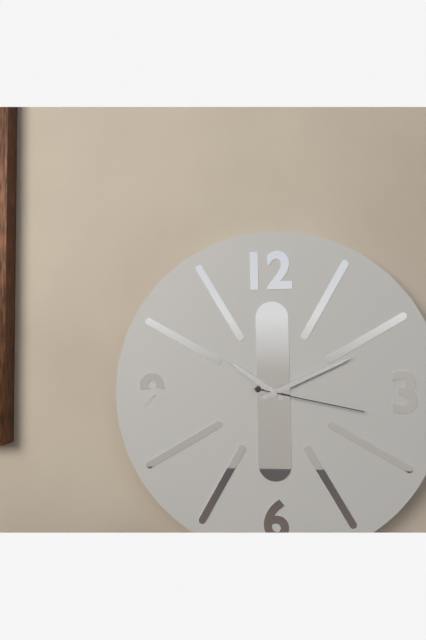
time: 10:11:17
